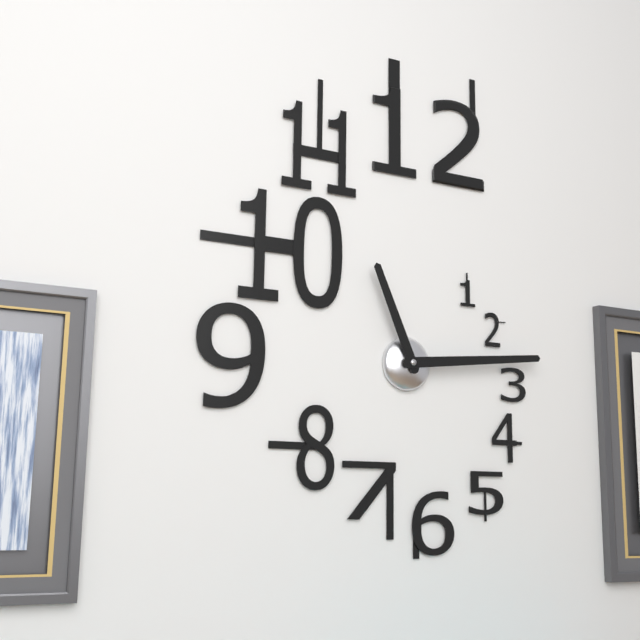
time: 11:14
